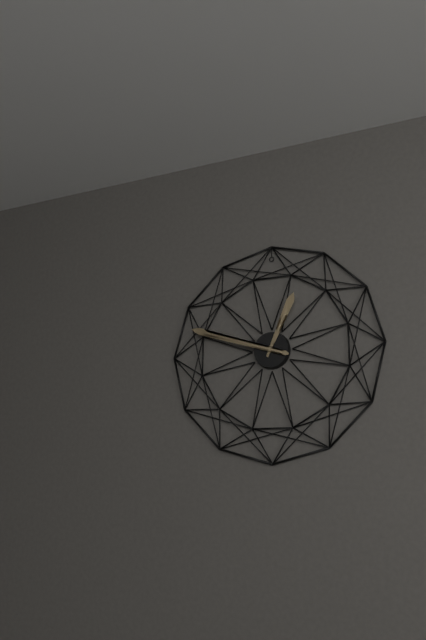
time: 12:48
